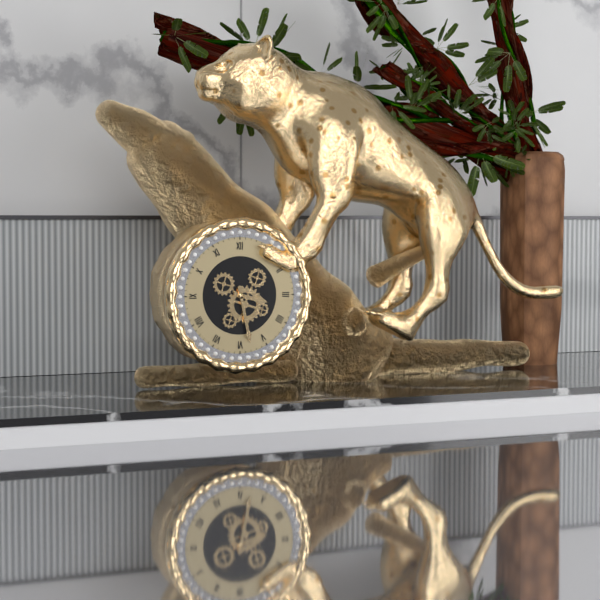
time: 3:28
